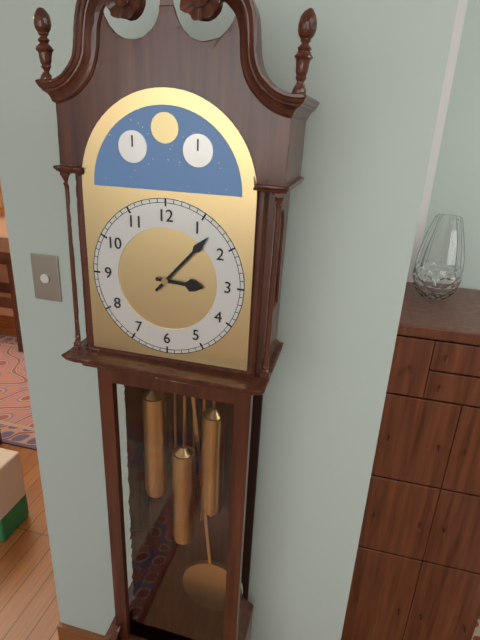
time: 3:07
